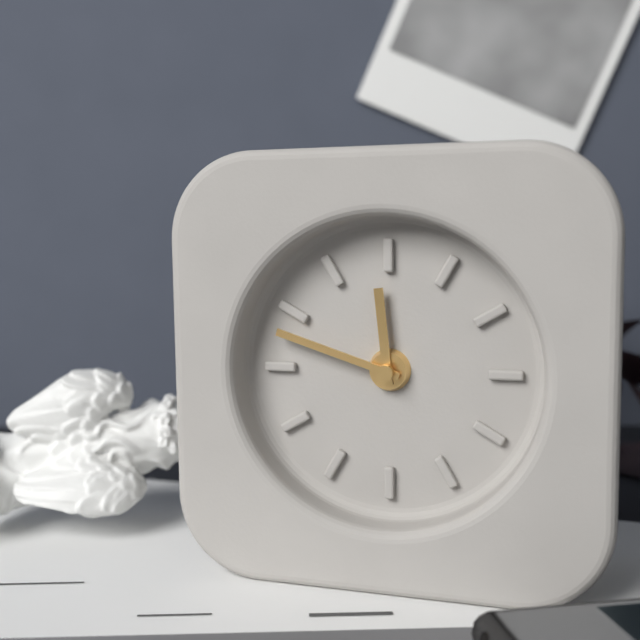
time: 11:48
